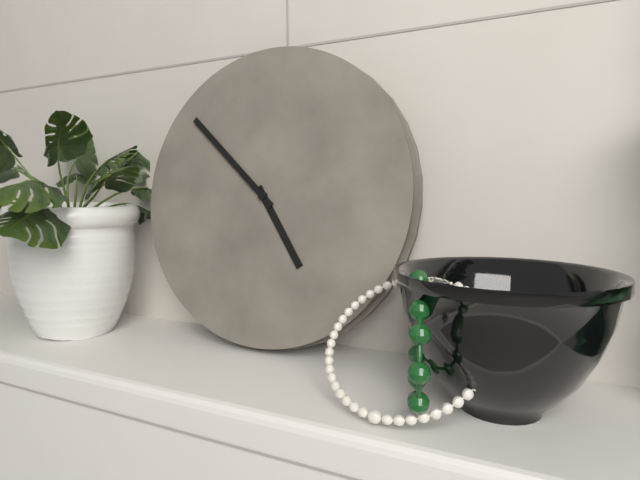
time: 4:52
